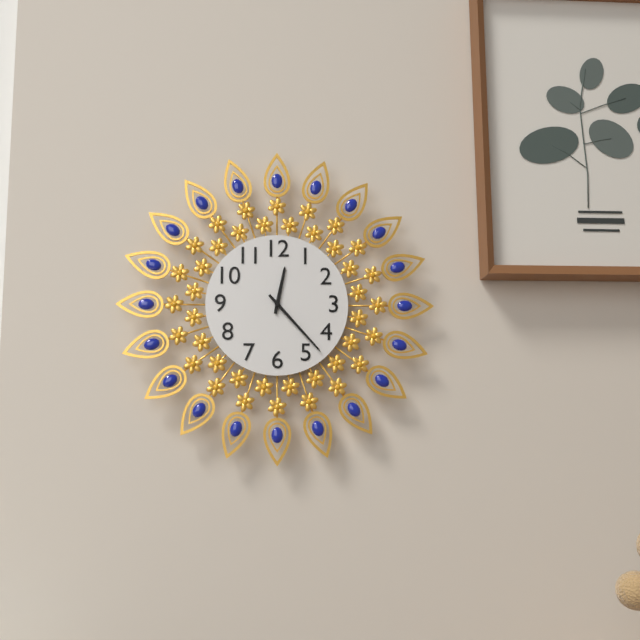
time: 12:23
